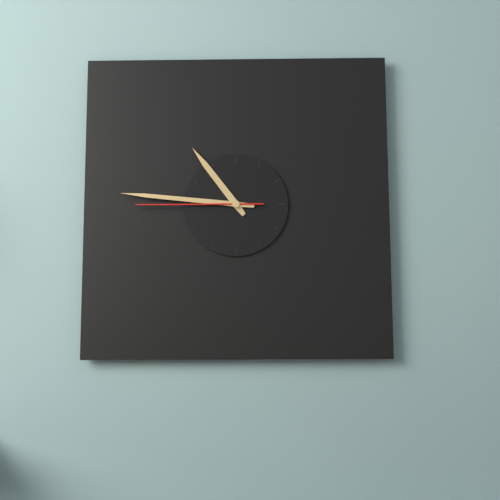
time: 10:46:45
